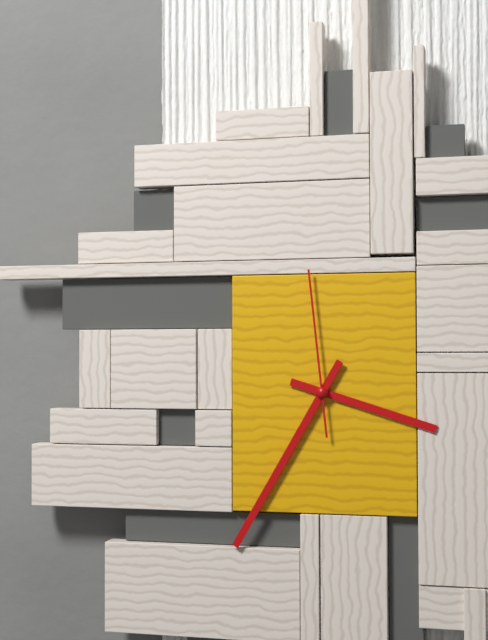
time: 3:35:59
